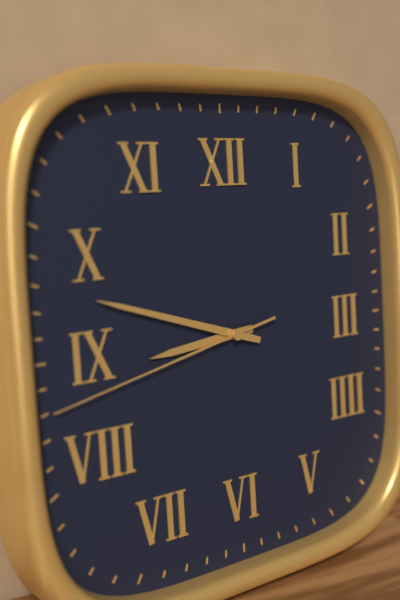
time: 8:48:43
